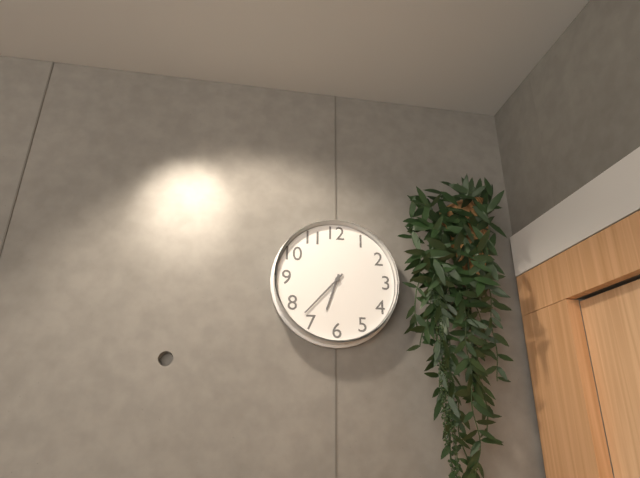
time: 6:37
